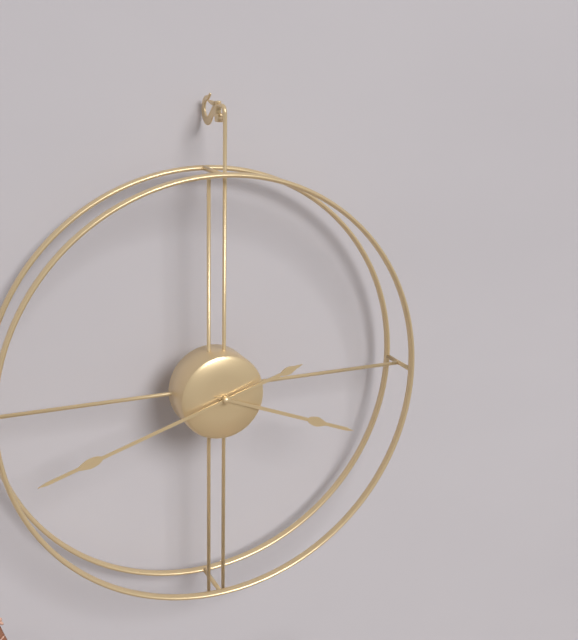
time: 3:42
